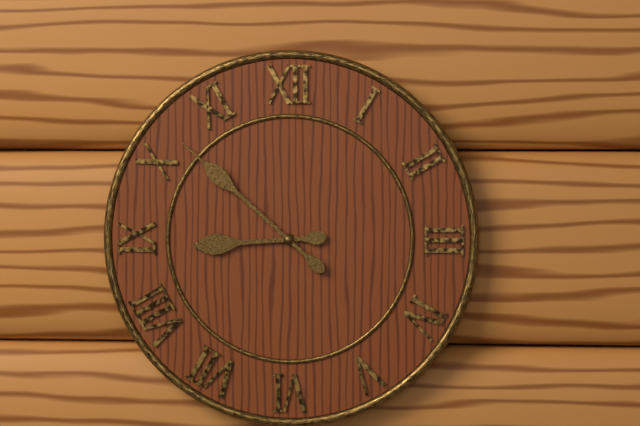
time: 8:52
